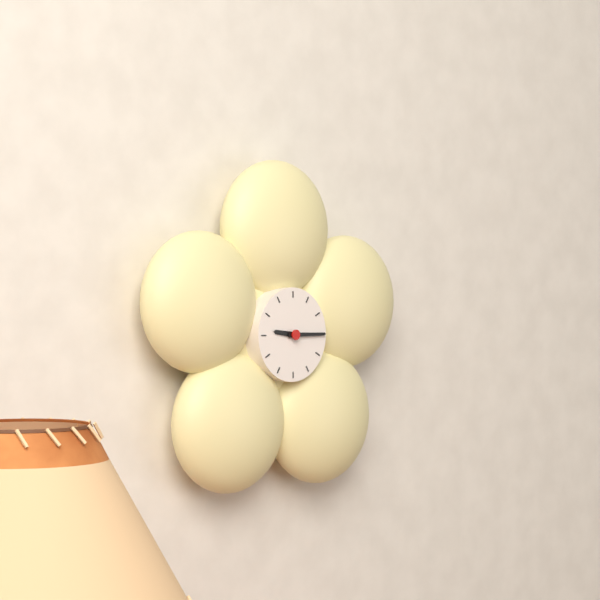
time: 9:15
